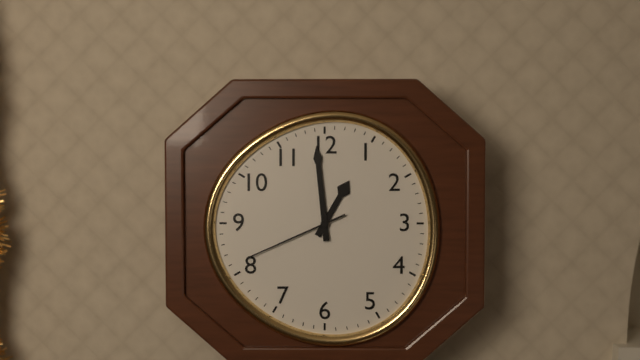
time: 12:59:41
